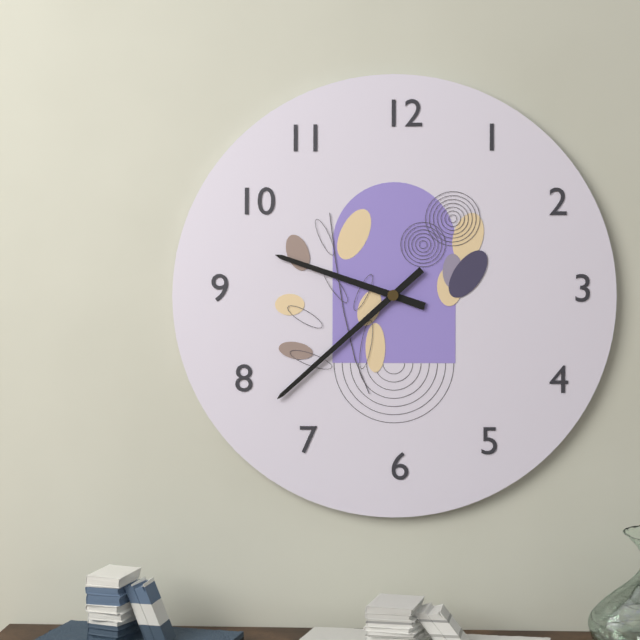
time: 9:38
